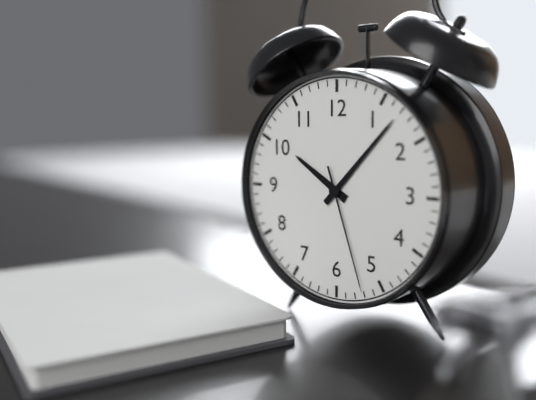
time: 10:07:27
